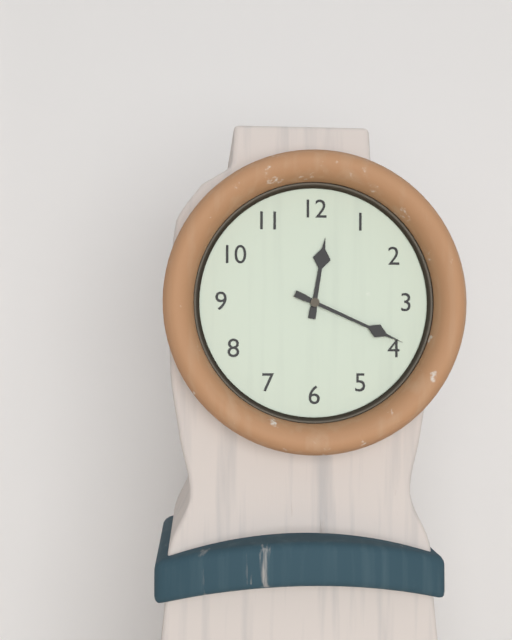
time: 12:19
